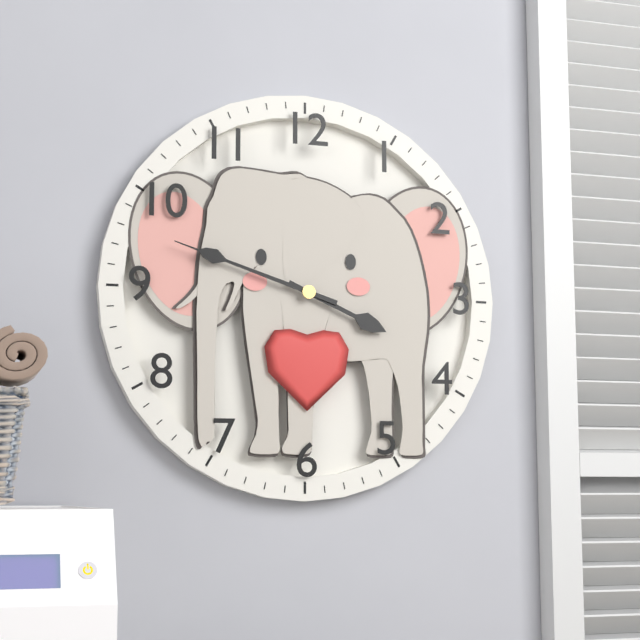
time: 3:48
